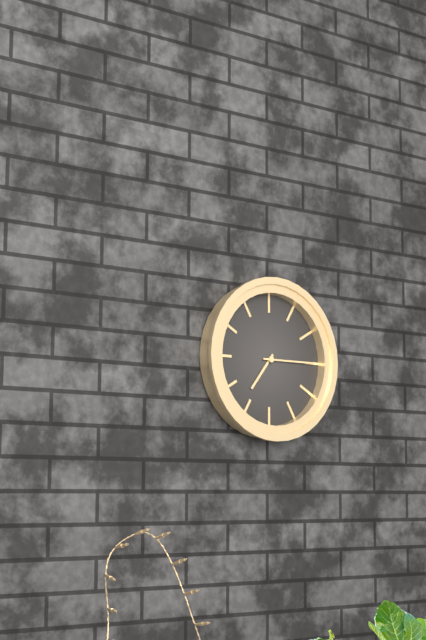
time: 7:15
